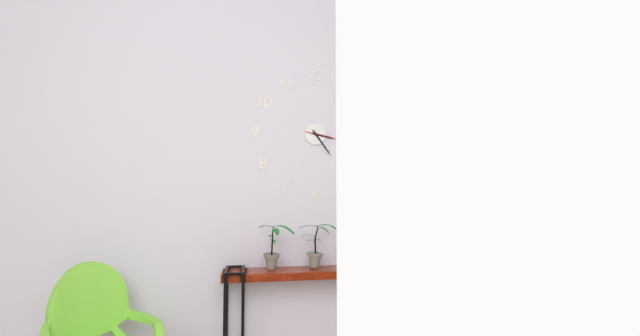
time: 3:24
